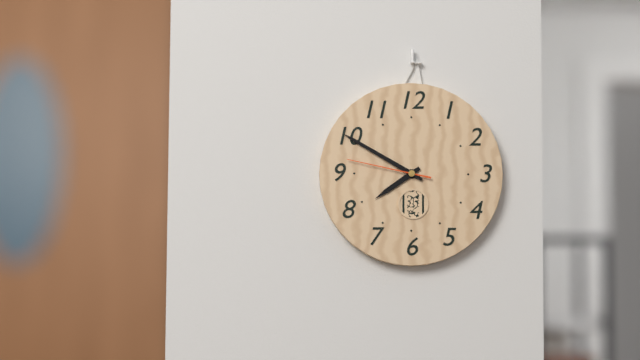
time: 7:50:47
